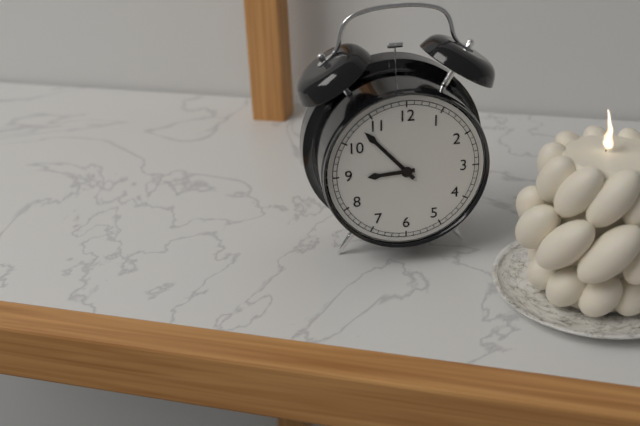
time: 8:53
